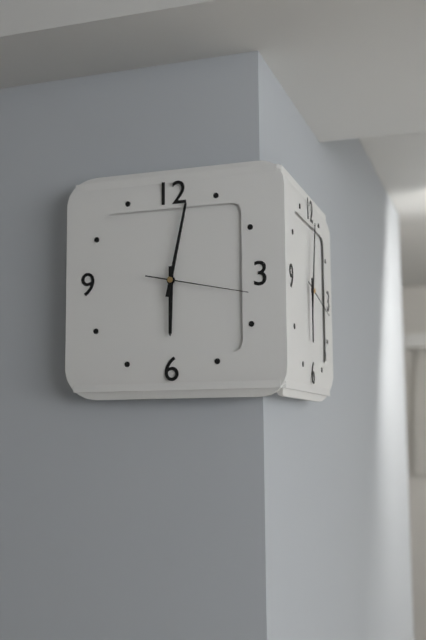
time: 6:02:17
